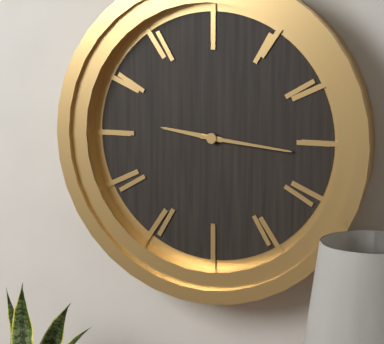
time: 9:16
